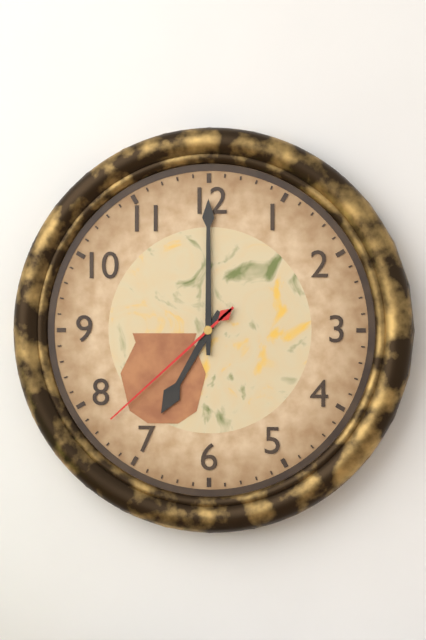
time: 7:00:38
